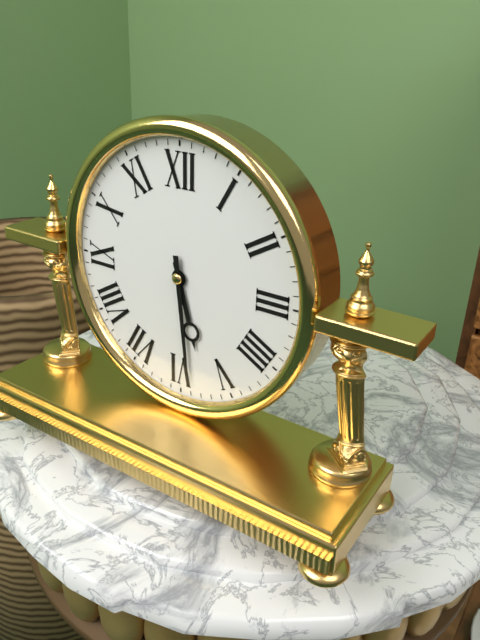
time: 5:29
